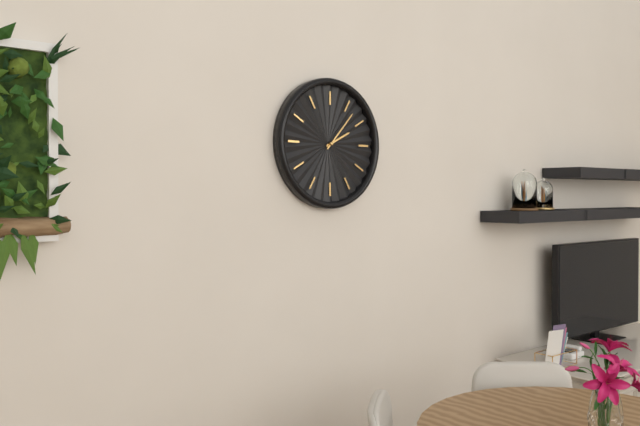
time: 2:07
